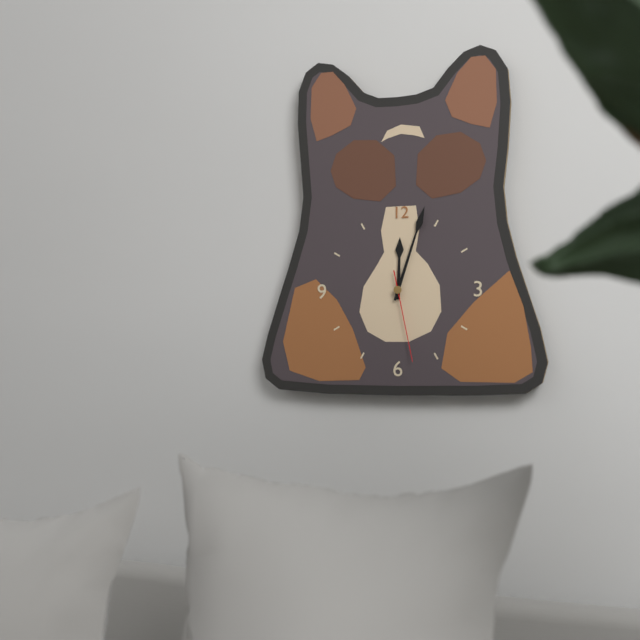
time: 12:03:28
